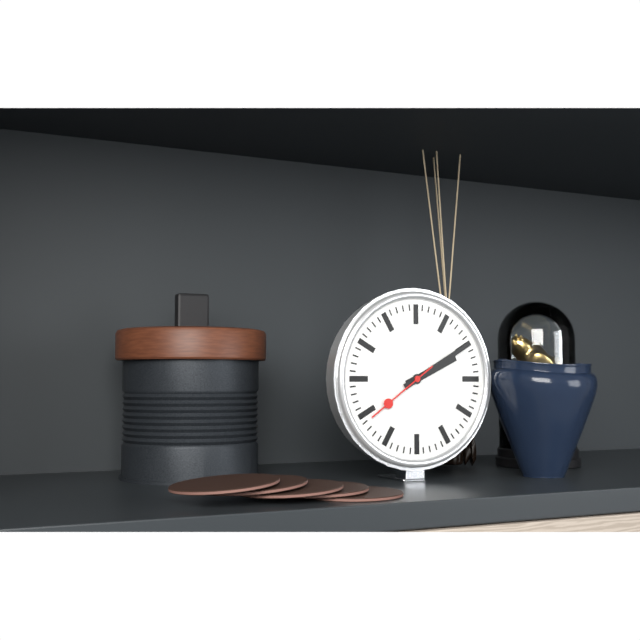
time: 2:10:39
